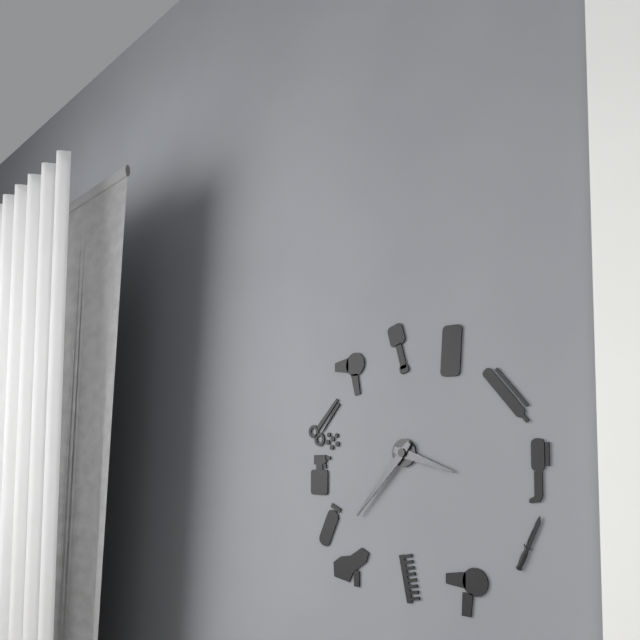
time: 3:37
